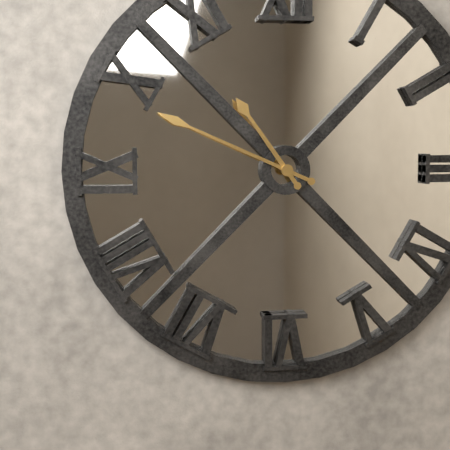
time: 10:49
